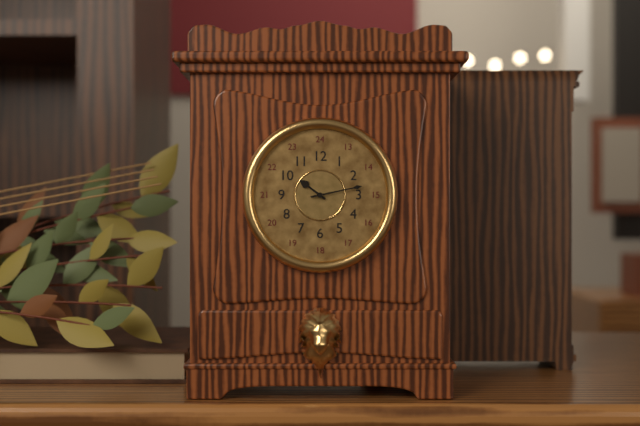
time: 10:13
